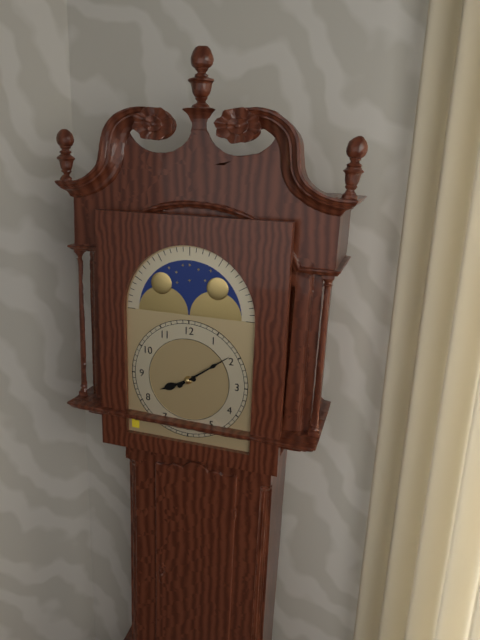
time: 8:09
